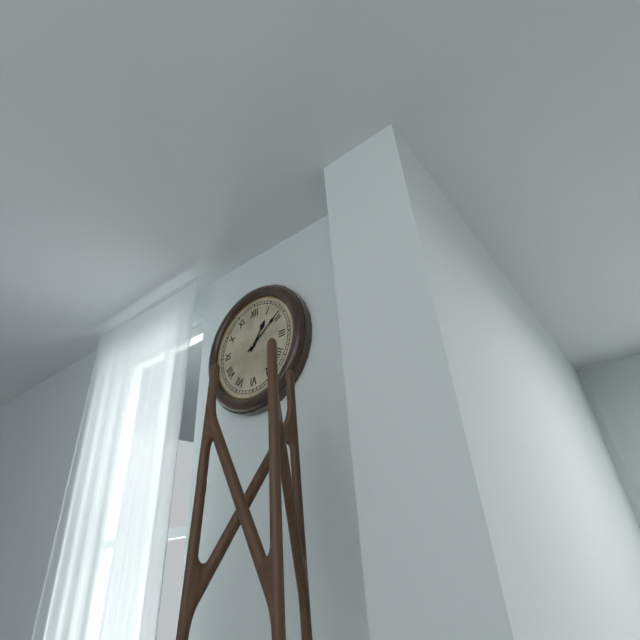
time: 1:09
